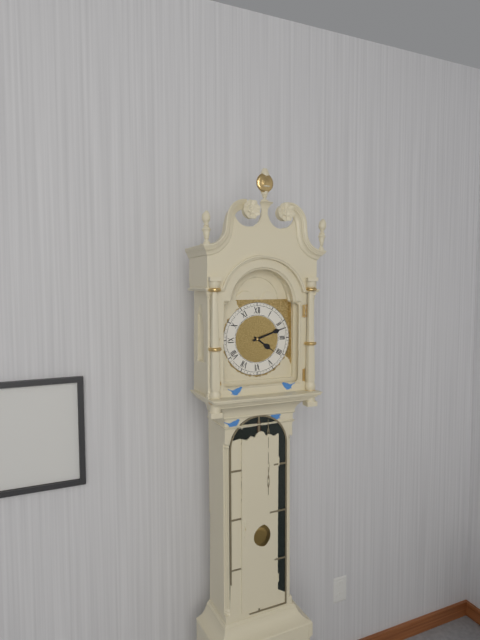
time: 4:12
